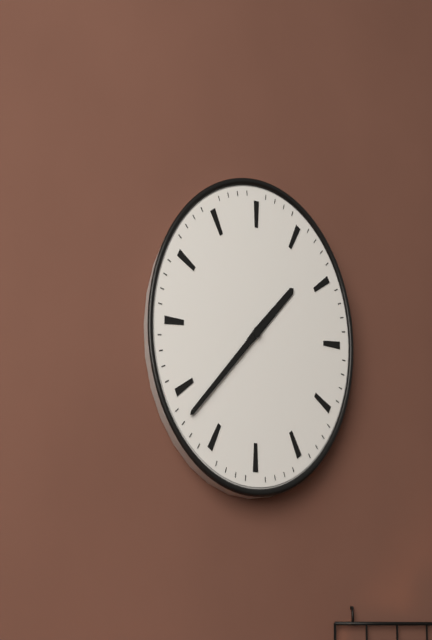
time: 1:38
